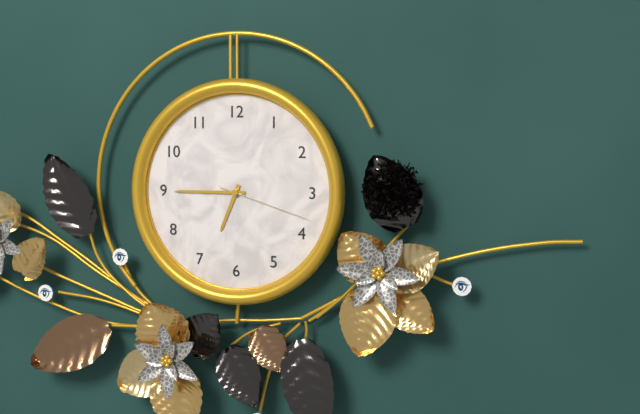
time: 6:45:18
